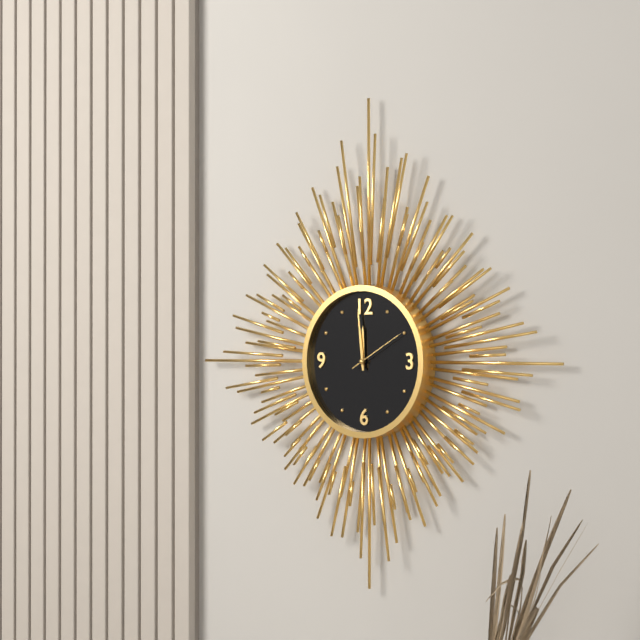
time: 11:59:10
